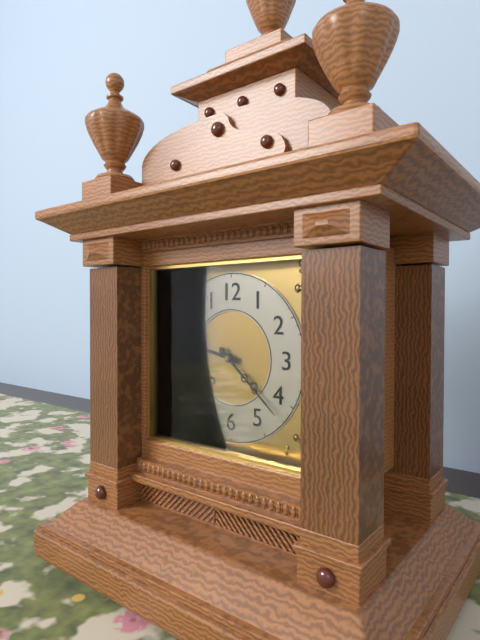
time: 9:22
